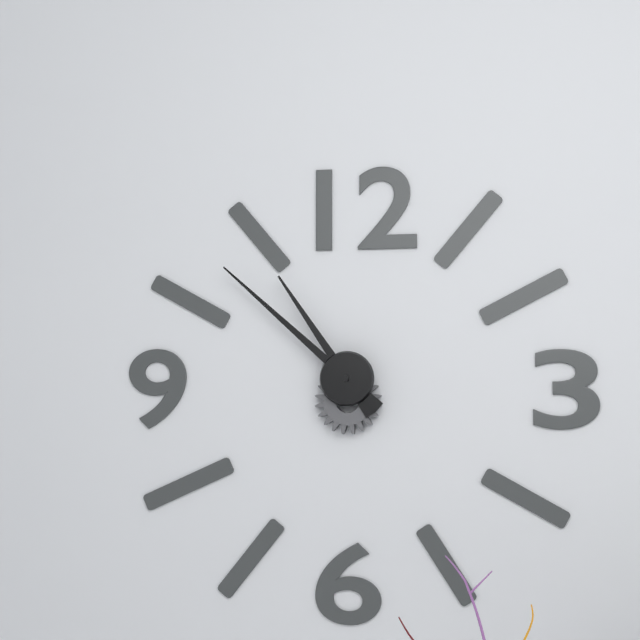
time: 10:52
